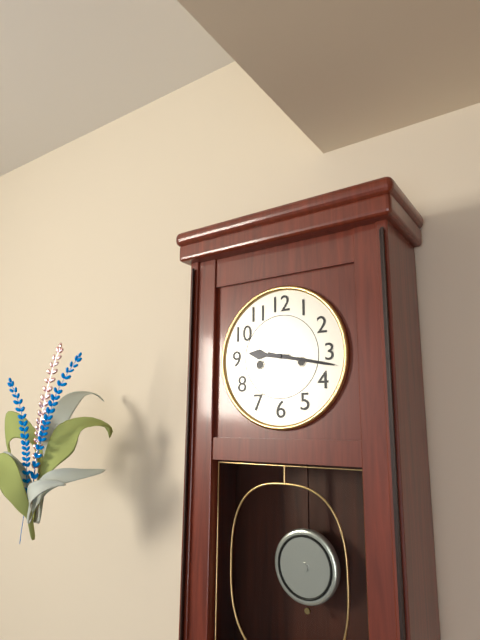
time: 9:17
